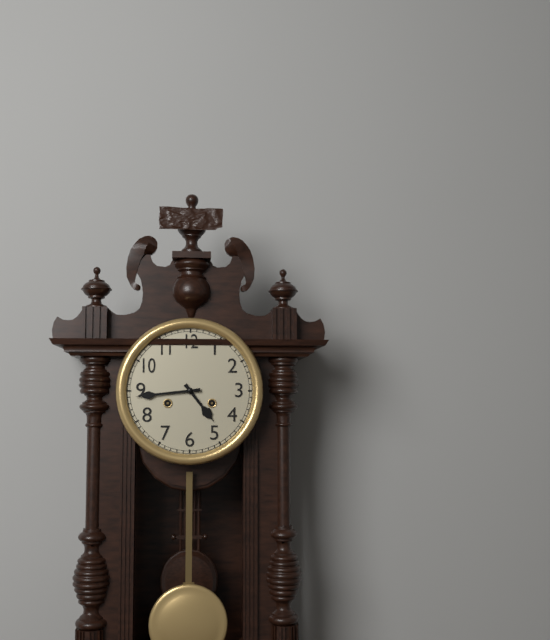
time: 4:44
